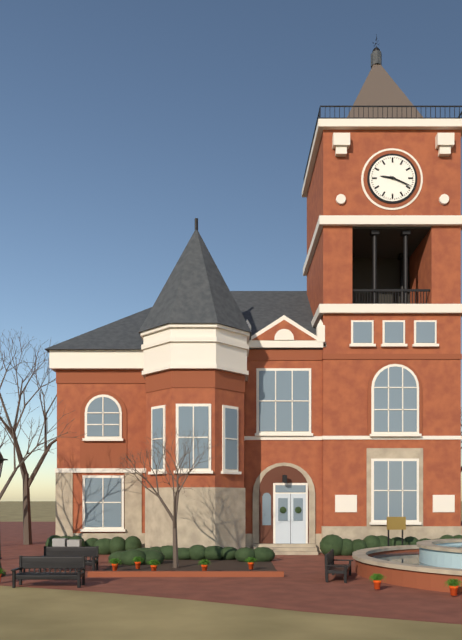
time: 9:19
